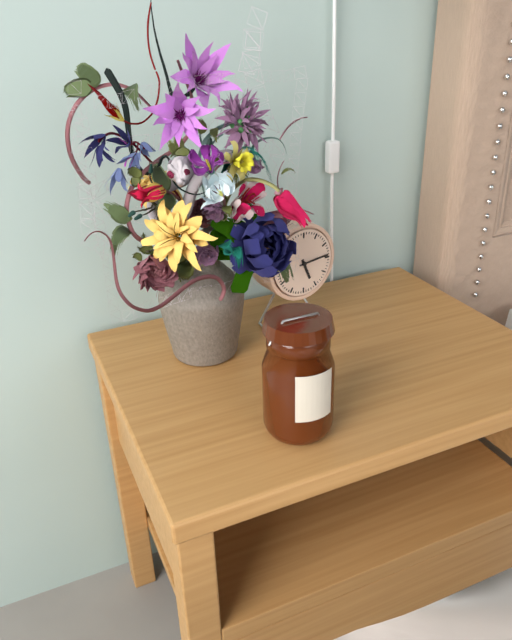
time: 5:14
